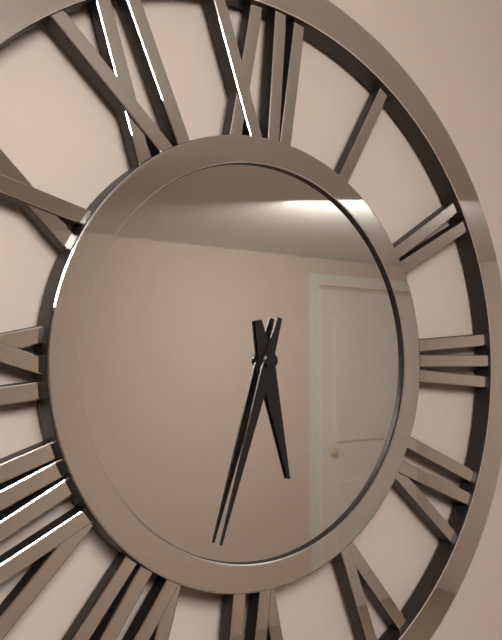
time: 5:33
